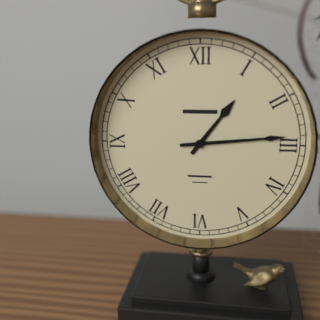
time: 1:14
